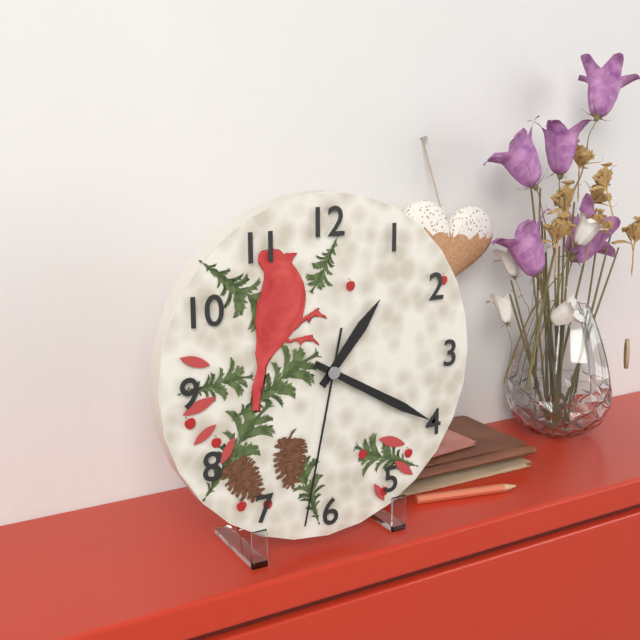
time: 1:20:32
